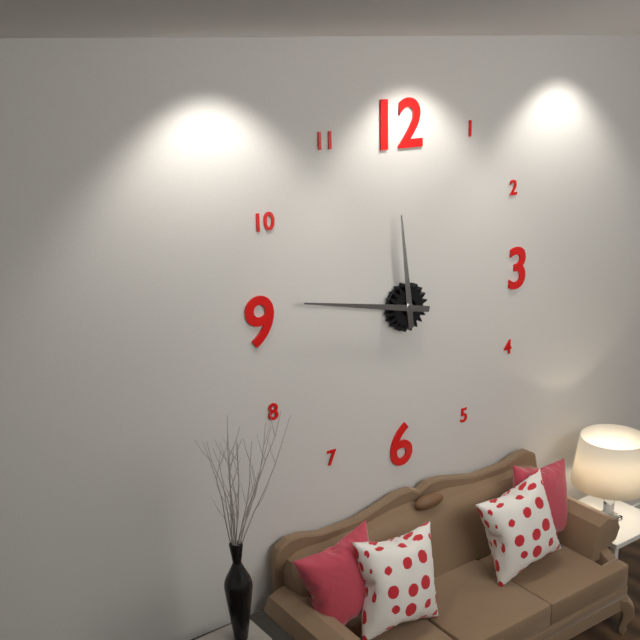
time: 11:47
